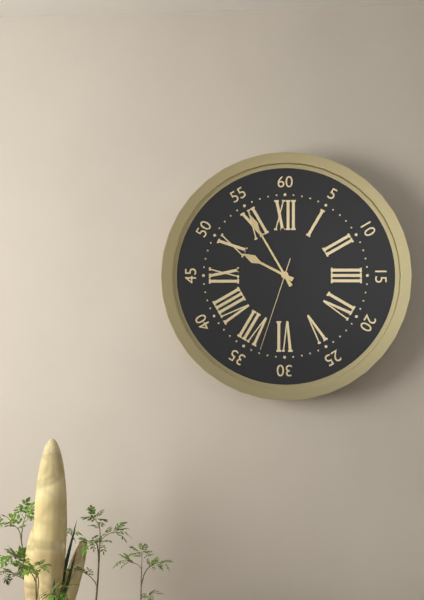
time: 9:55:33
